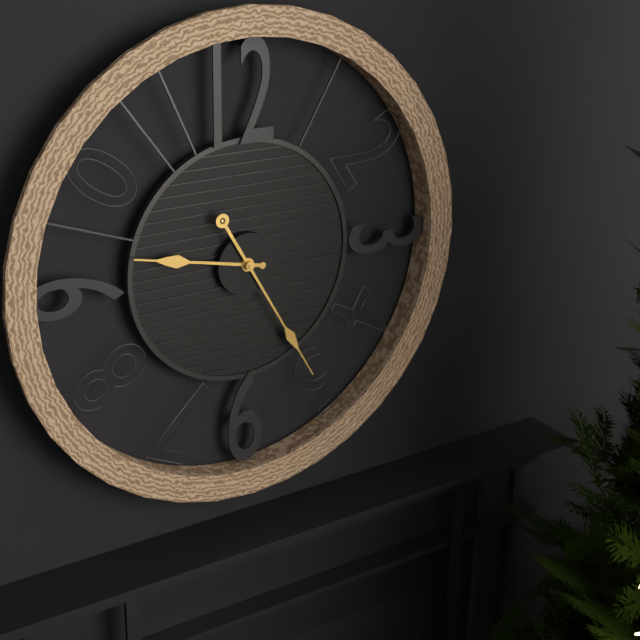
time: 9:25
